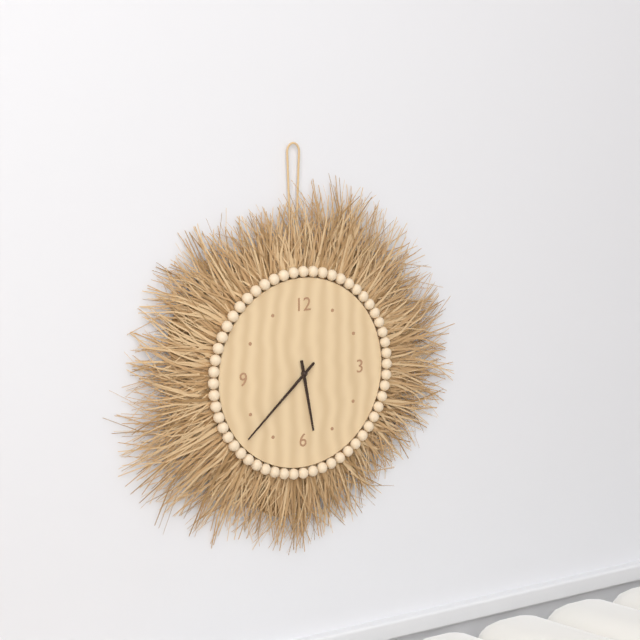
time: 5:38
